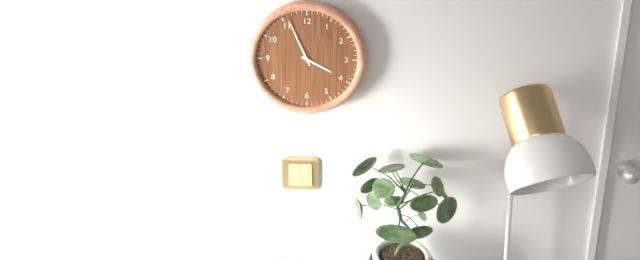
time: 3:56
